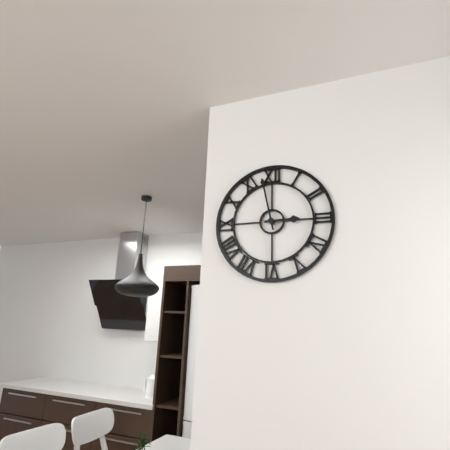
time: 2:58
